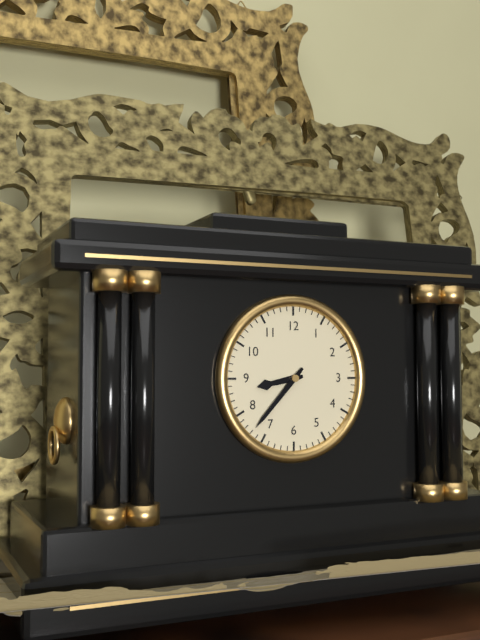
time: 8:37
